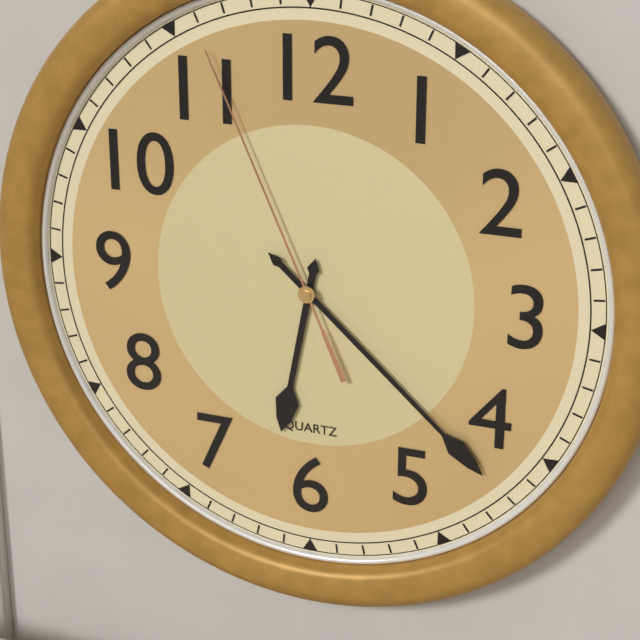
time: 6:22:56
